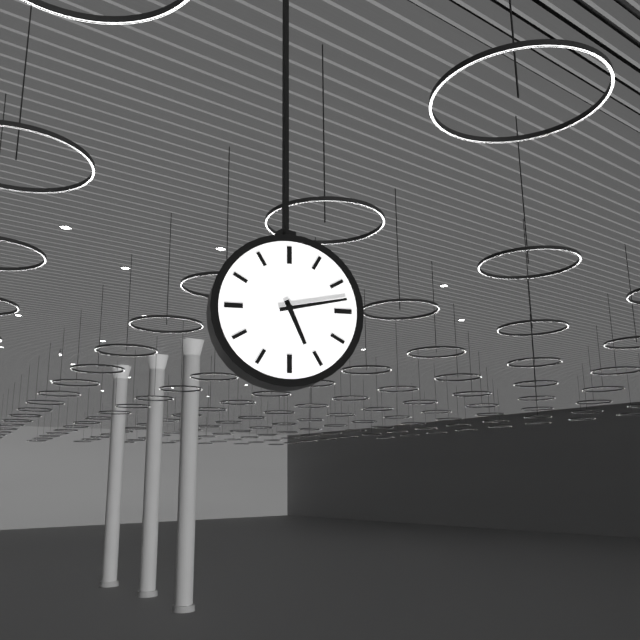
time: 5:13
